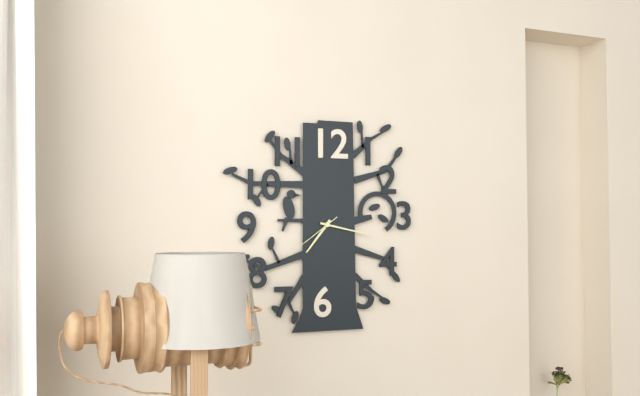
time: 7:17:39
